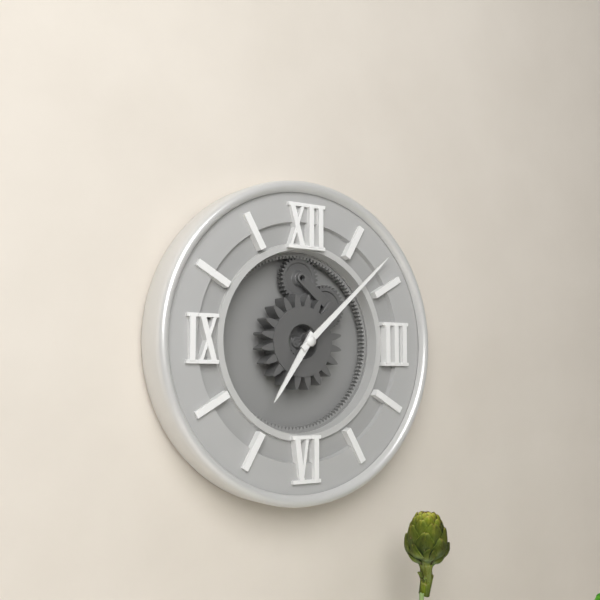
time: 7:08
